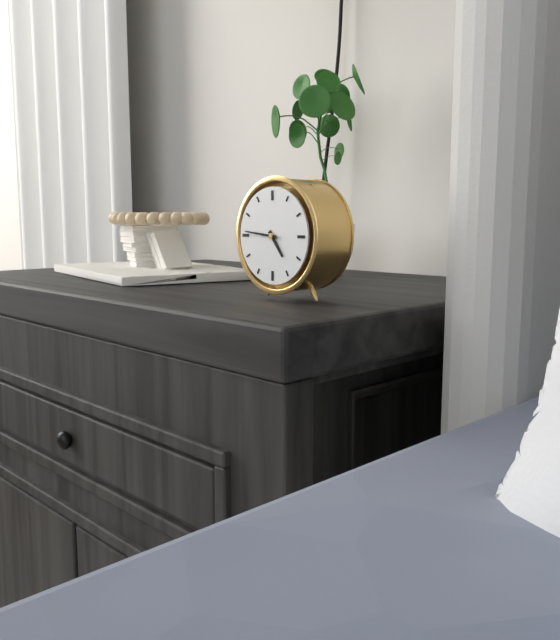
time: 4:46
